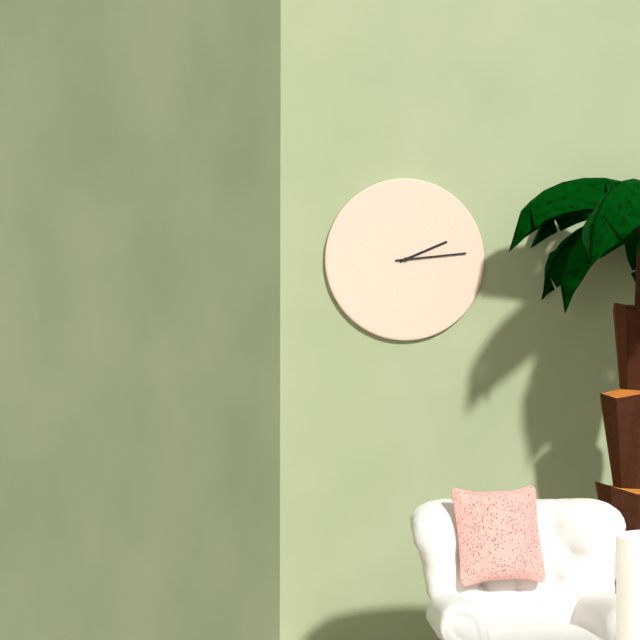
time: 2:14
